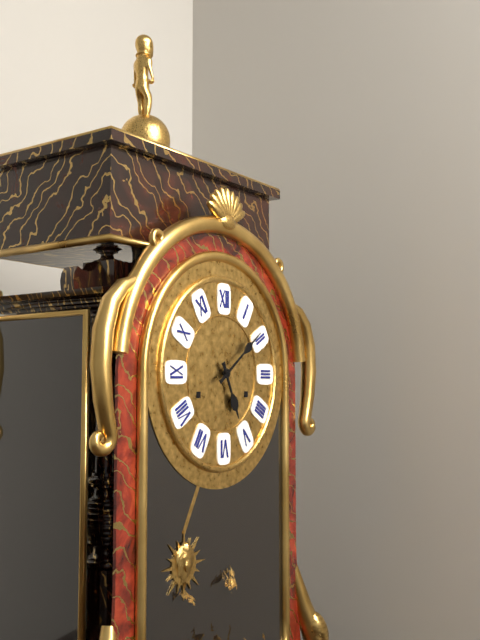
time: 5:09
